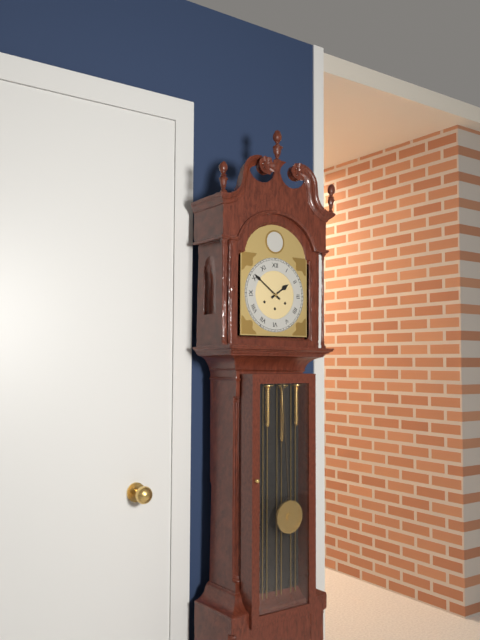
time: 1:51
